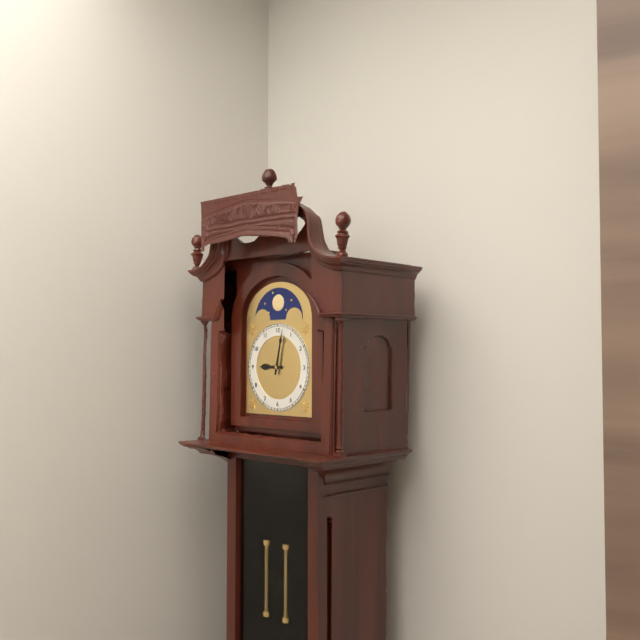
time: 9:02
